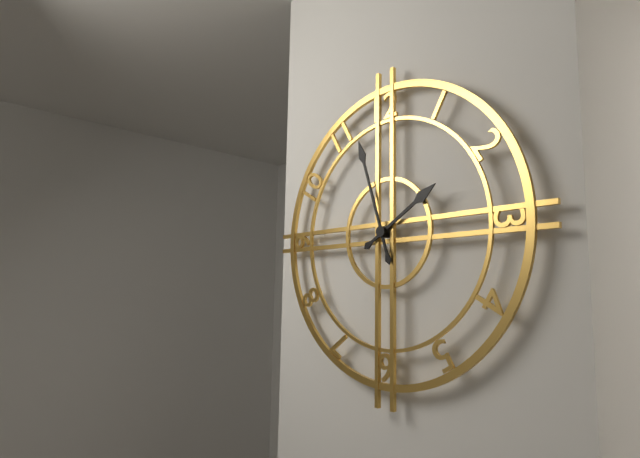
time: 1:57
